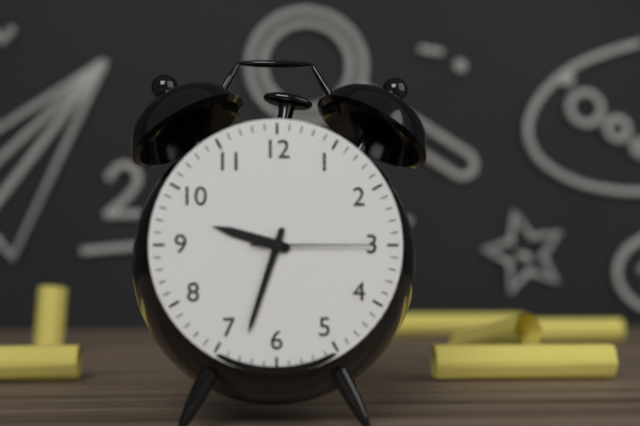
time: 9:33:15
